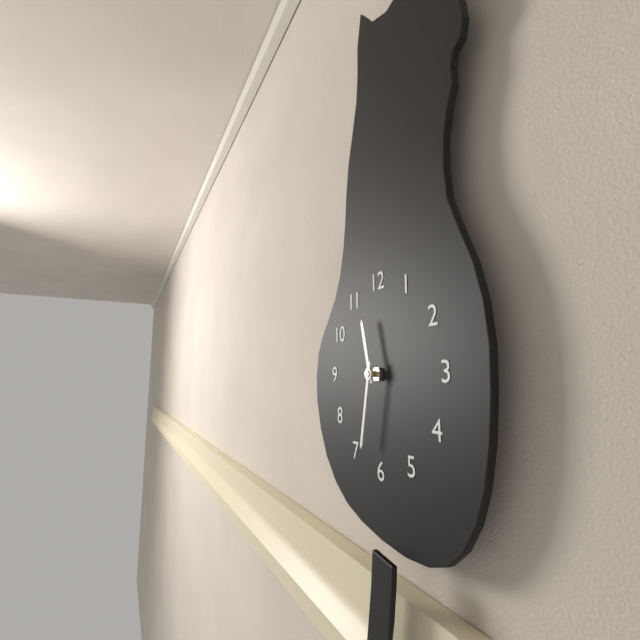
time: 11:32
